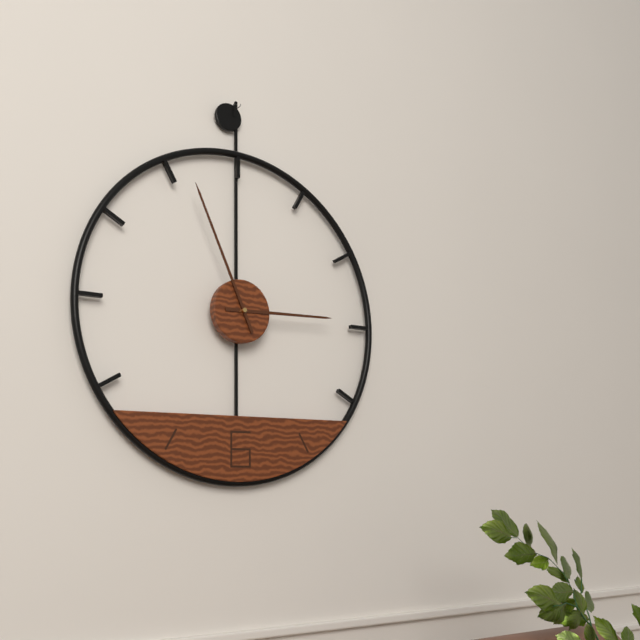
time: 2:56
